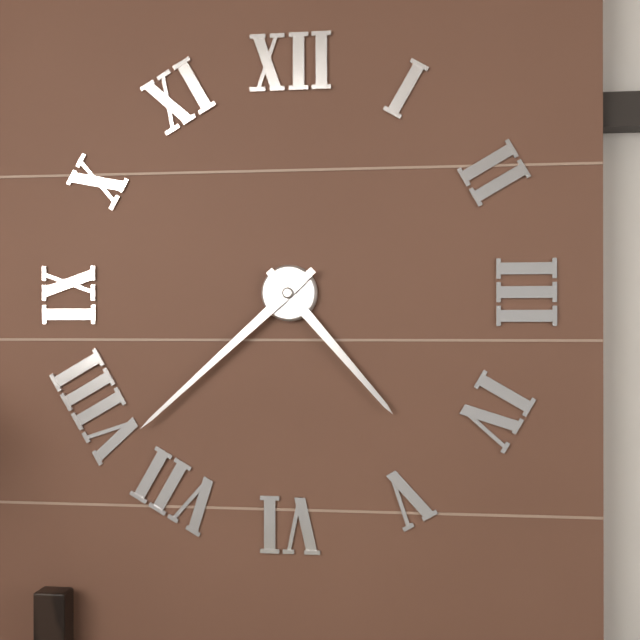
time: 4:38
